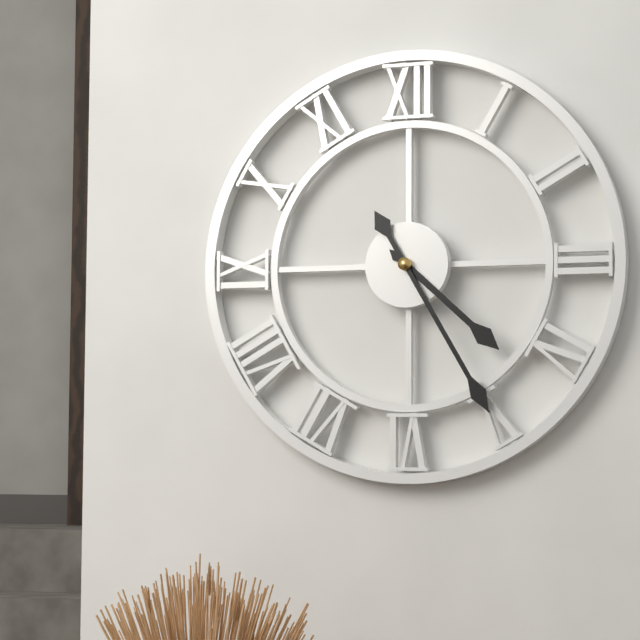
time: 4:25
